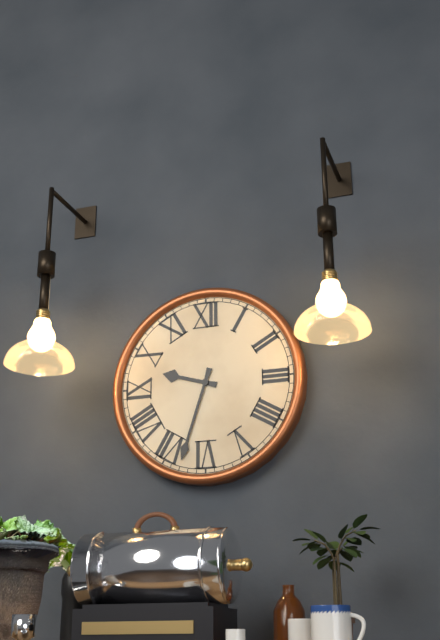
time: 9:33
